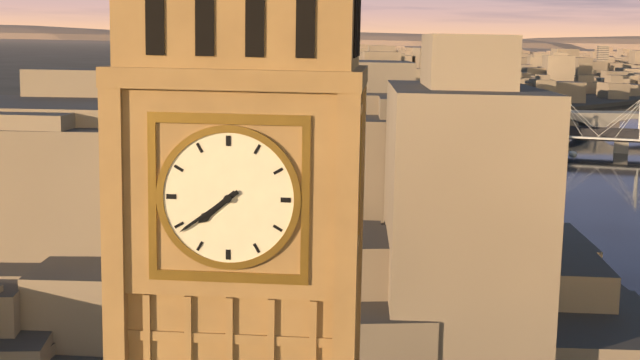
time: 7:39
